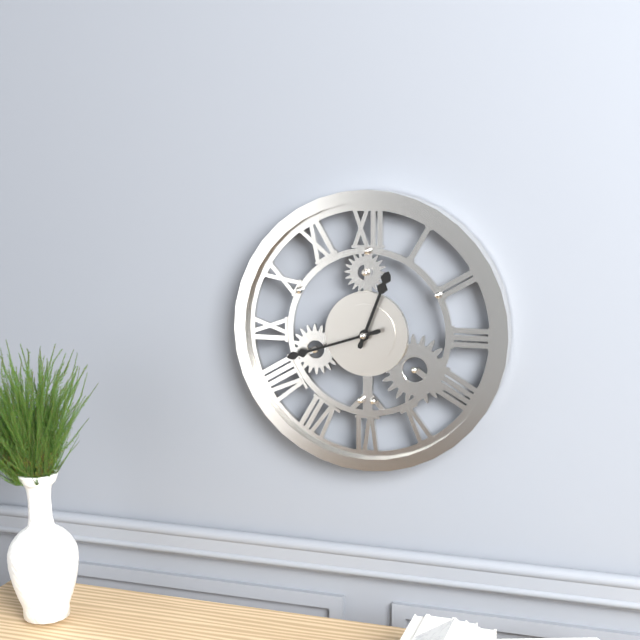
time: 12:42
